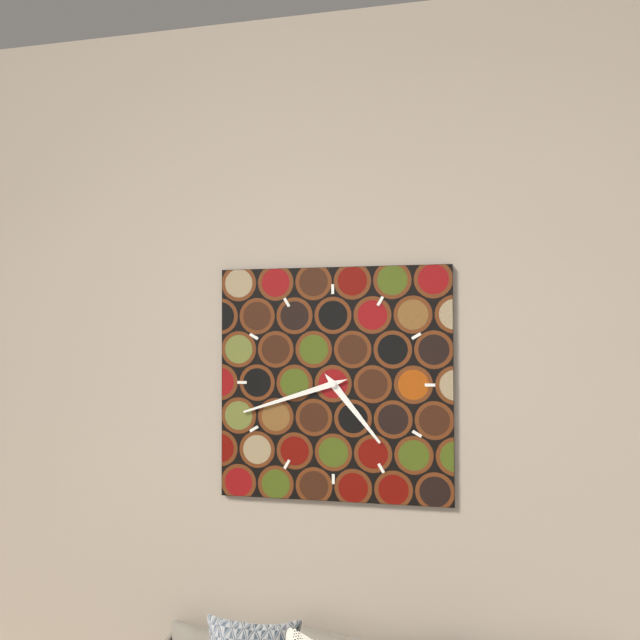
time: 4:42
